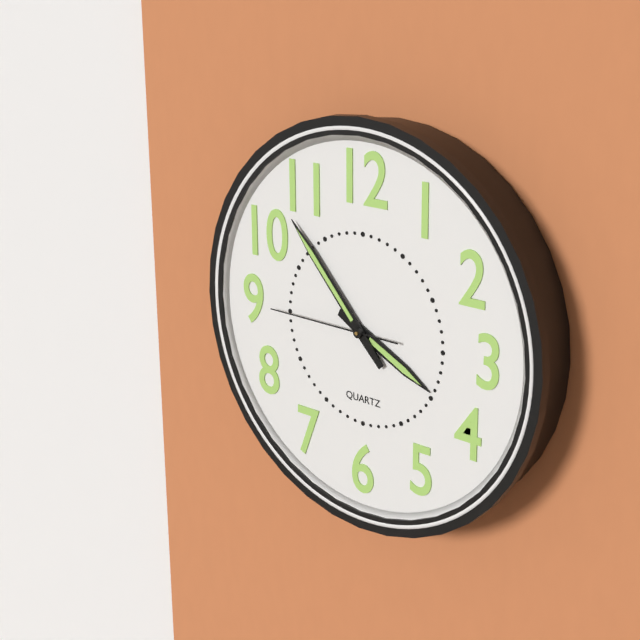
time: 3:53:45
